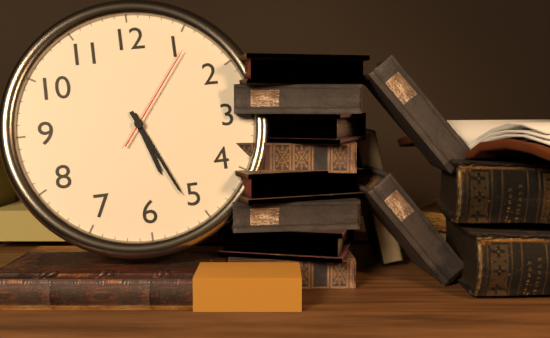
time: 5:26:06
